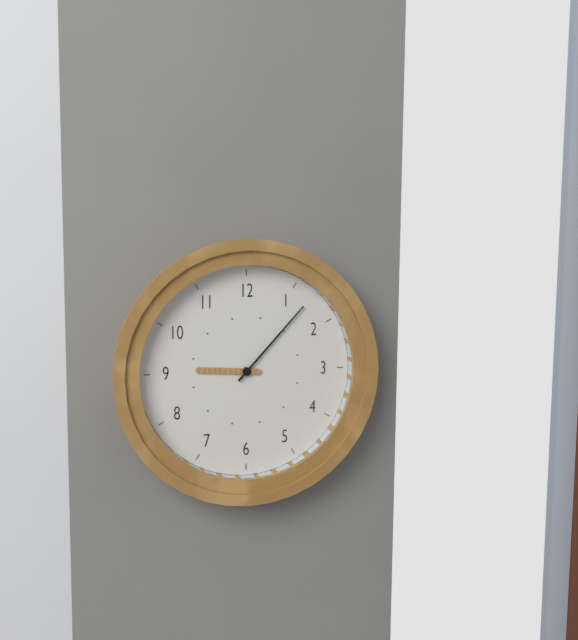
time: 9:07
